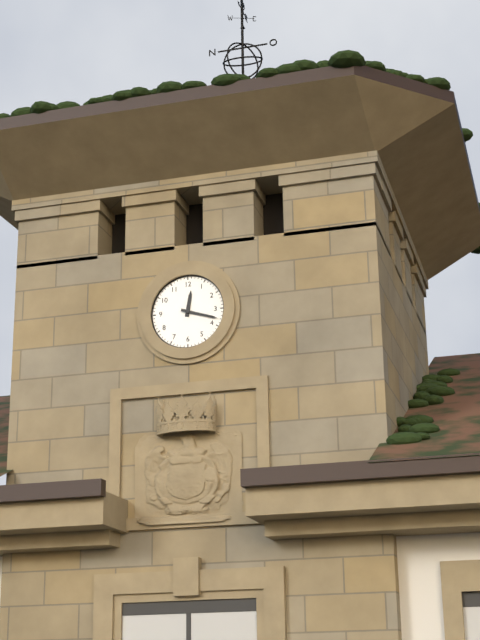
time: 12:18
